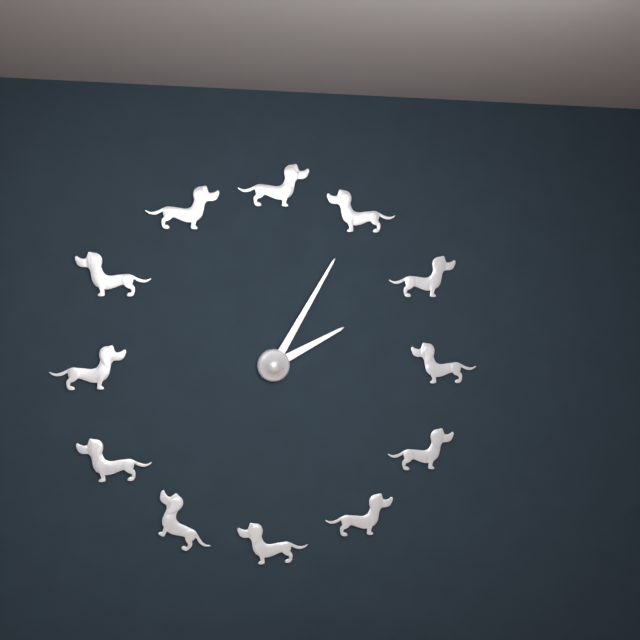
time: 2:05
